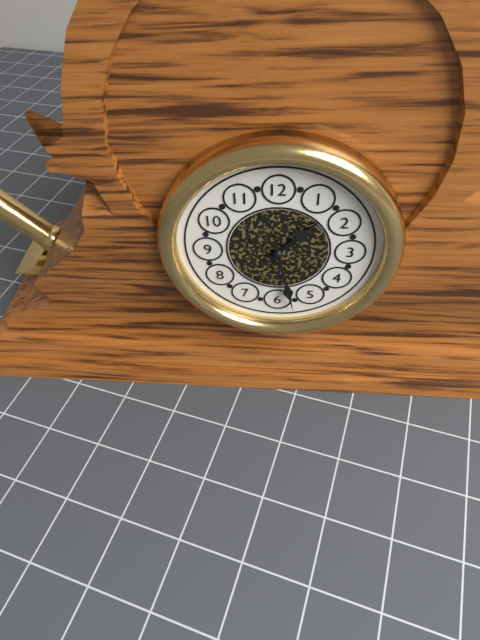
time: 1:28
